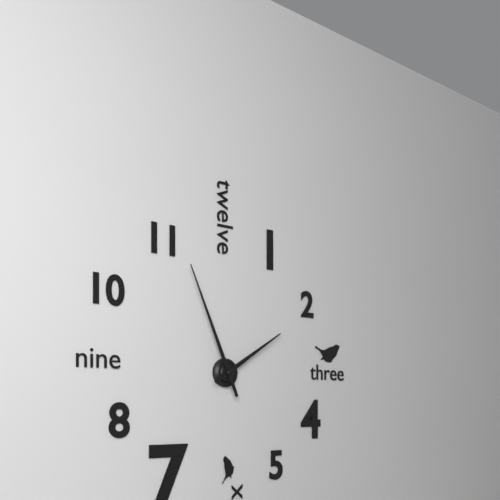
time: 1:56
